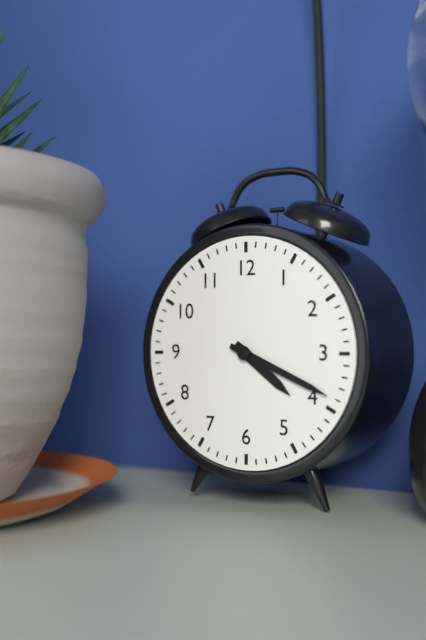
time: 4:19
